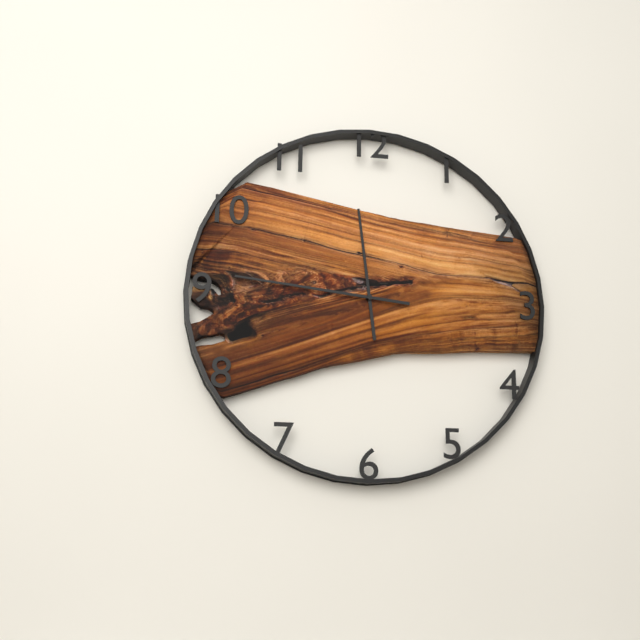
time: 11:46
